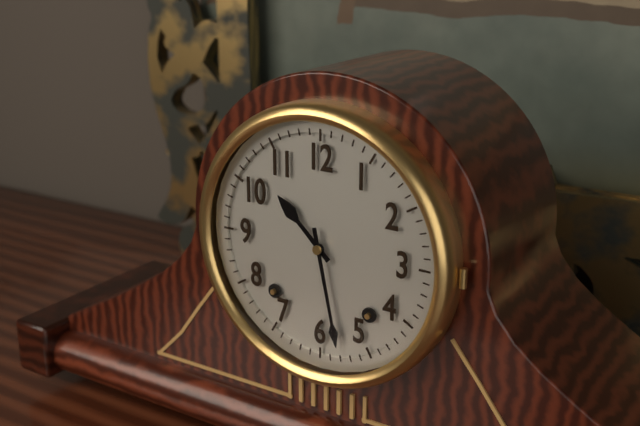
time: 10:28
